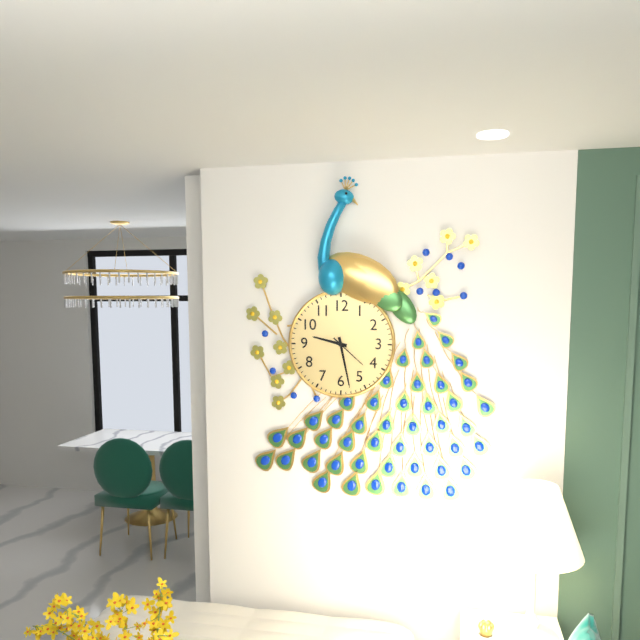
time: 9:28
